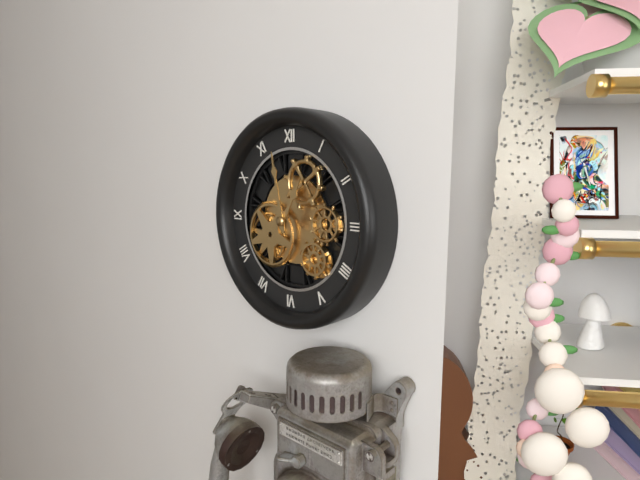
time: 12:58
